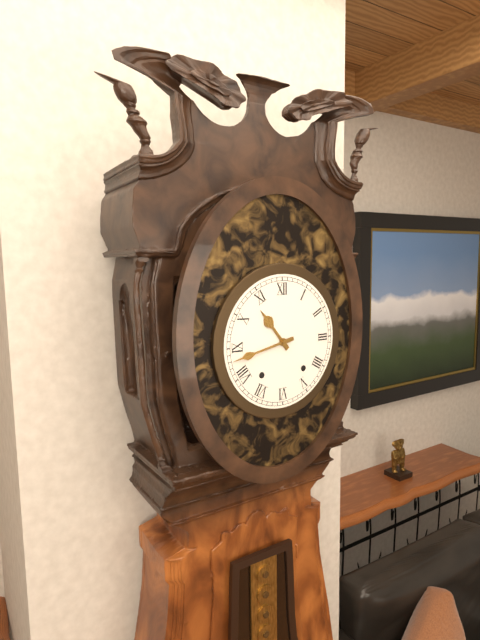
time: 10:43
